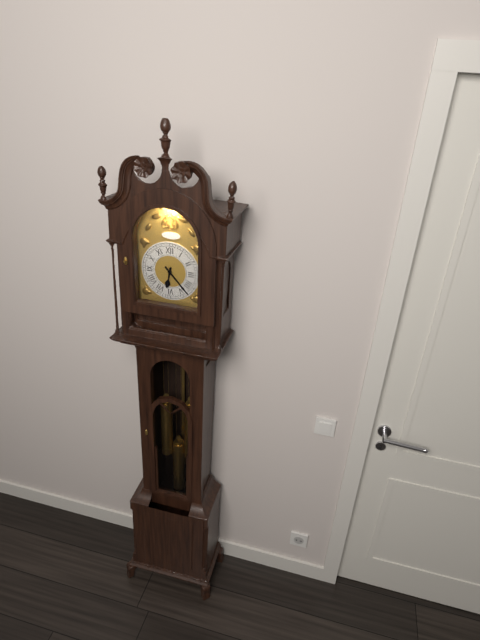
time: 6:23
